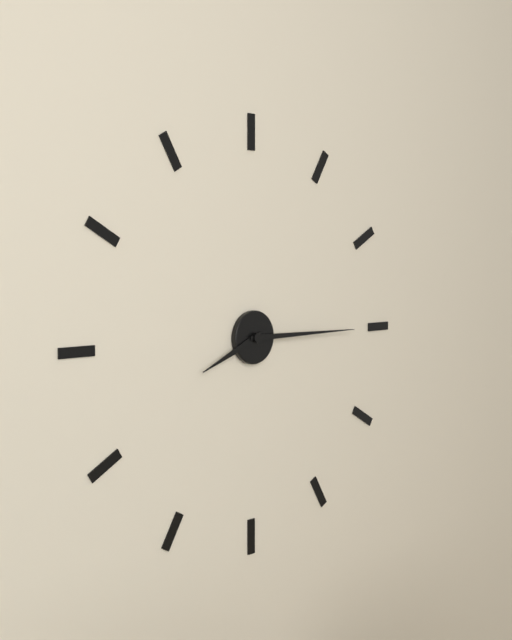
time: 8:15
